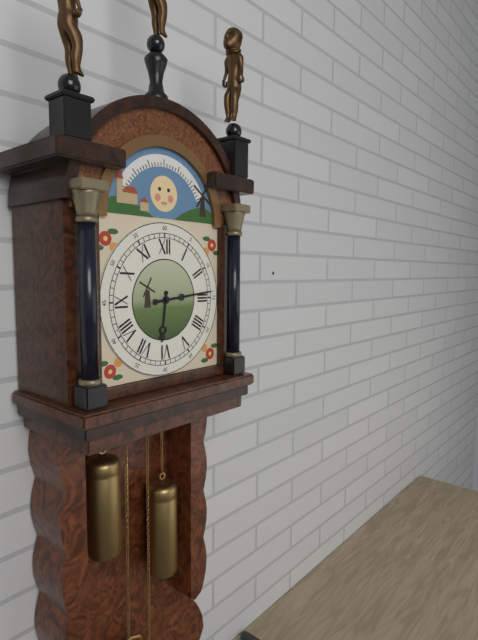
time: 6:14
